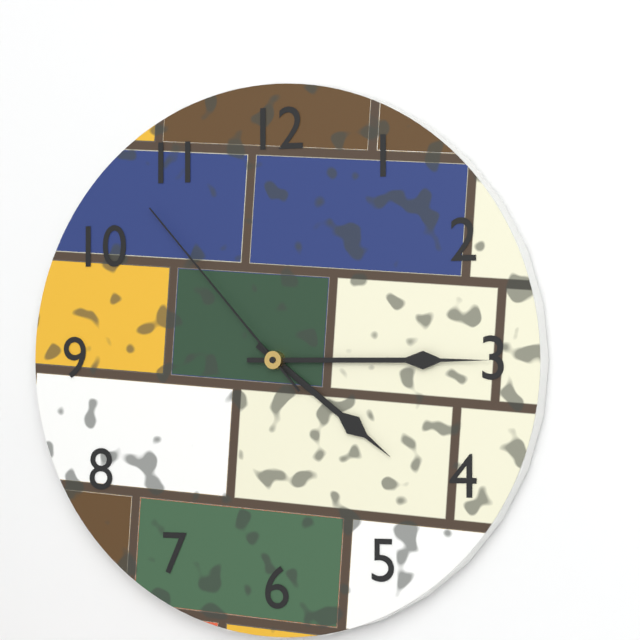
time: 4:15:53
